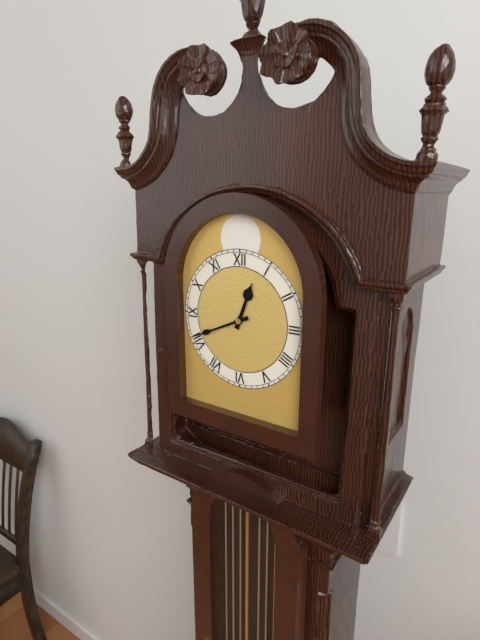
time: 12:41
